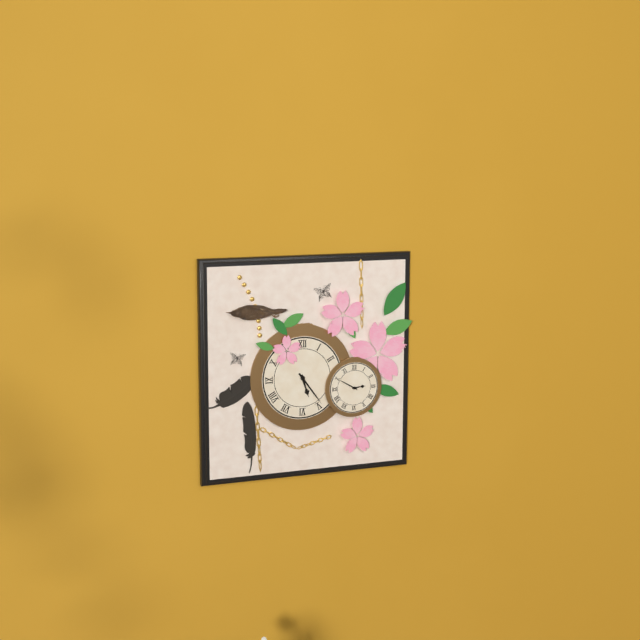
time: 5:24
